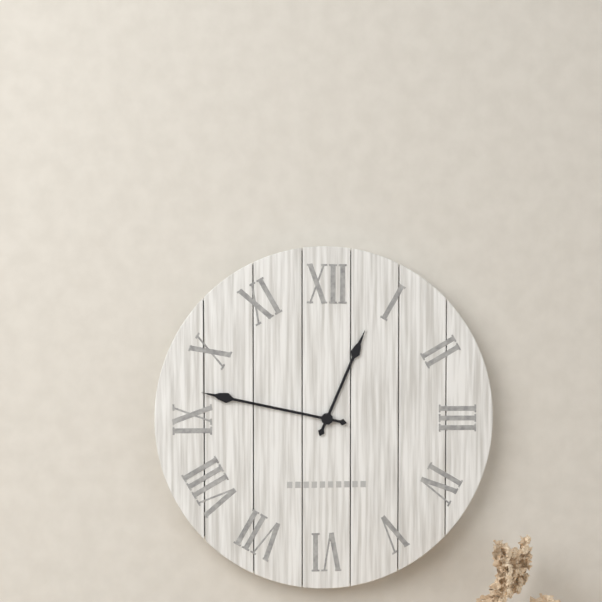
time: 12:47
